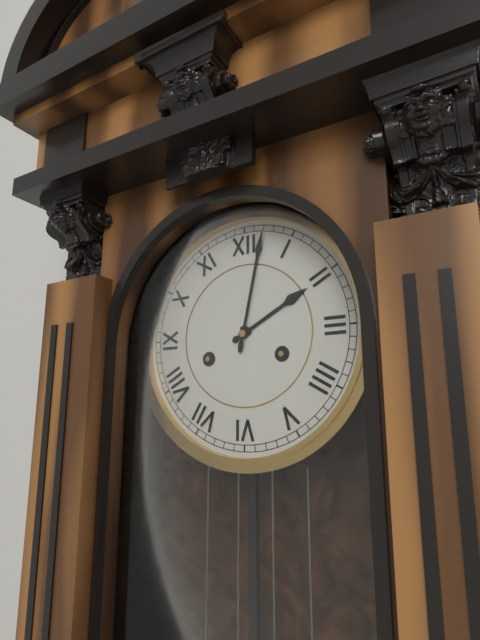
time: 2:02
